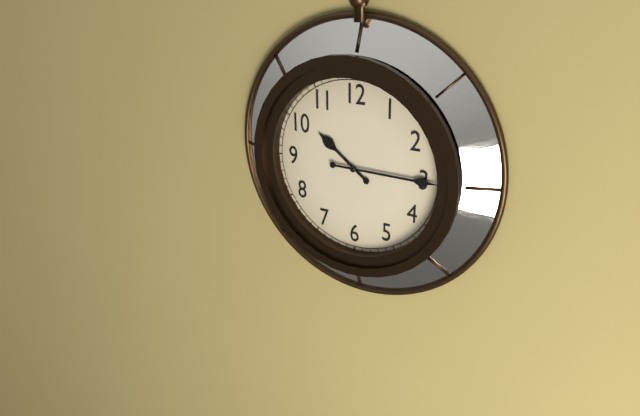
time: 10:15
